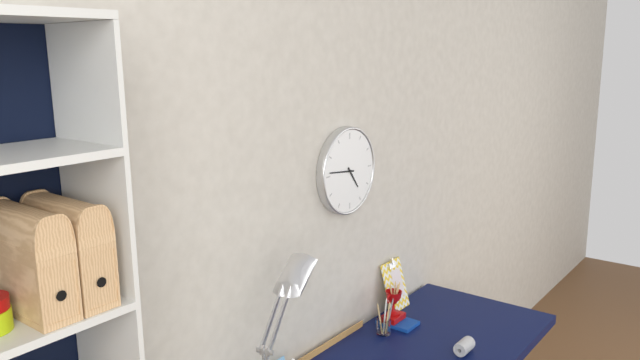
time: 4:46
